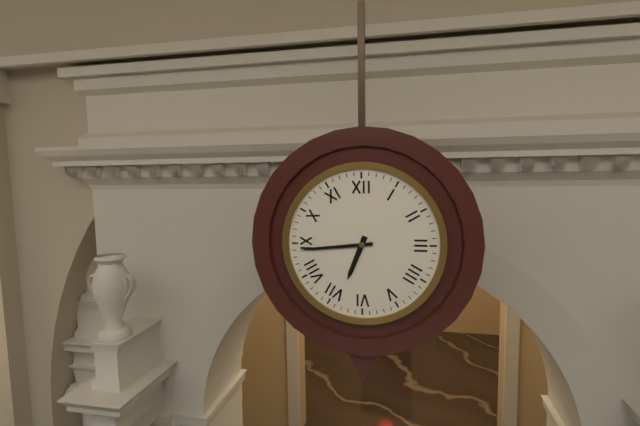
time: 6:44
